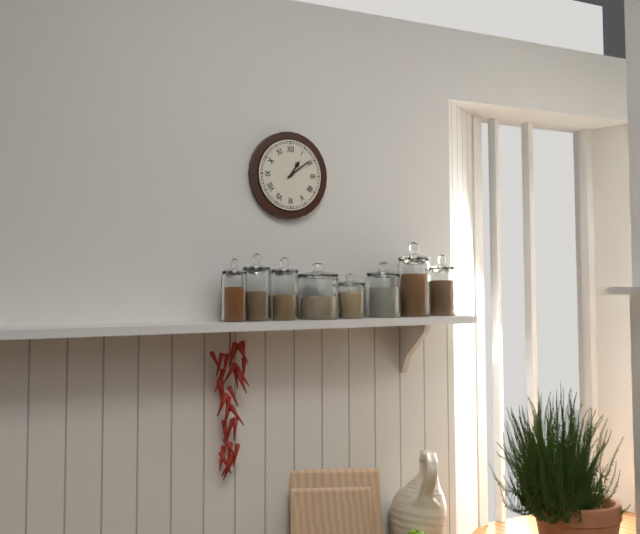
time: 1:09
